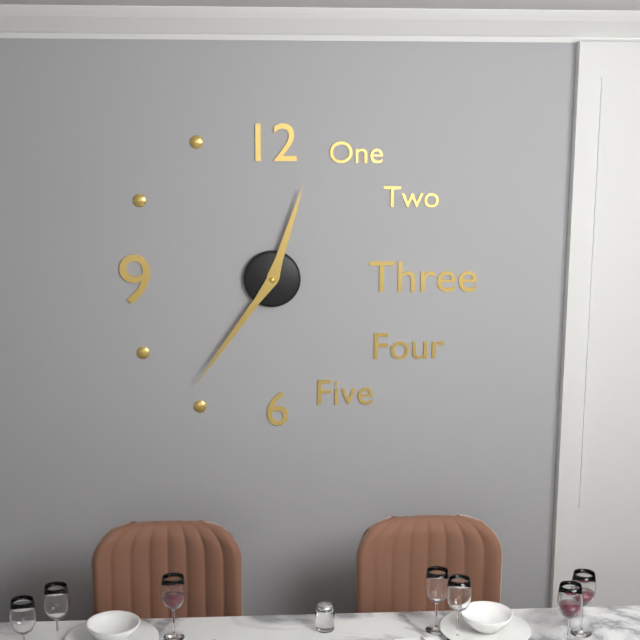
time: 12:36
